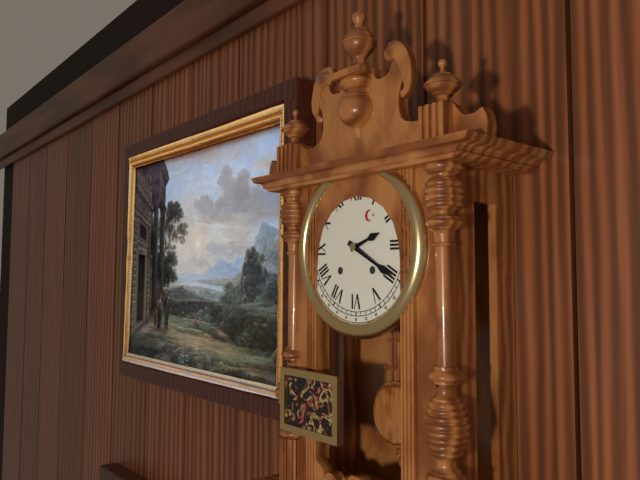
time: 2:20
